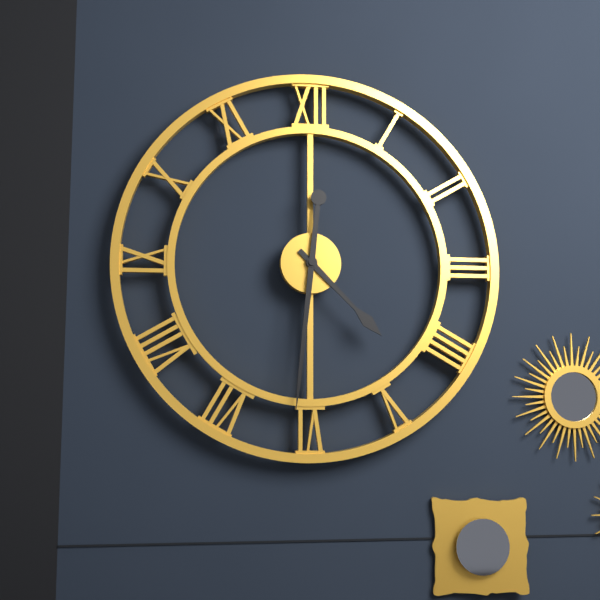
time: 4:31
